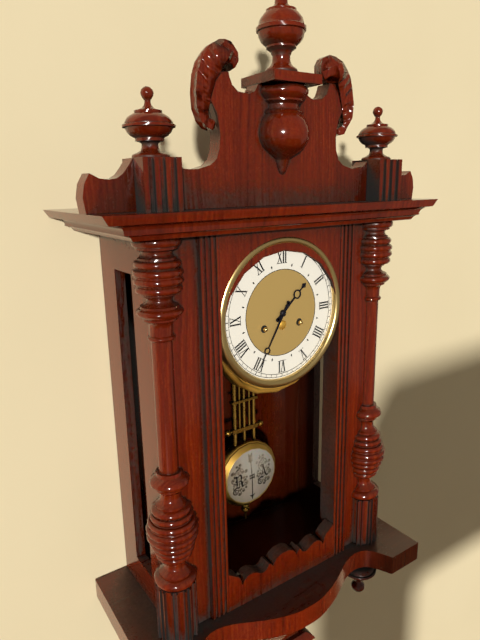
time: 1:35
